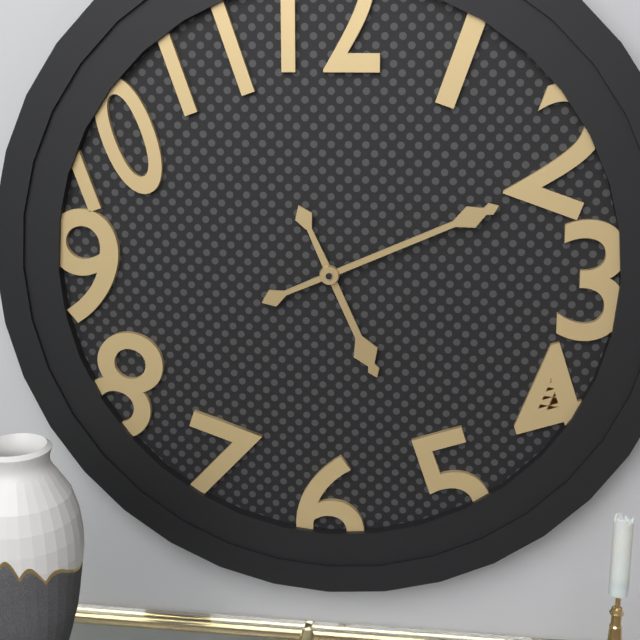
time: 5:11
